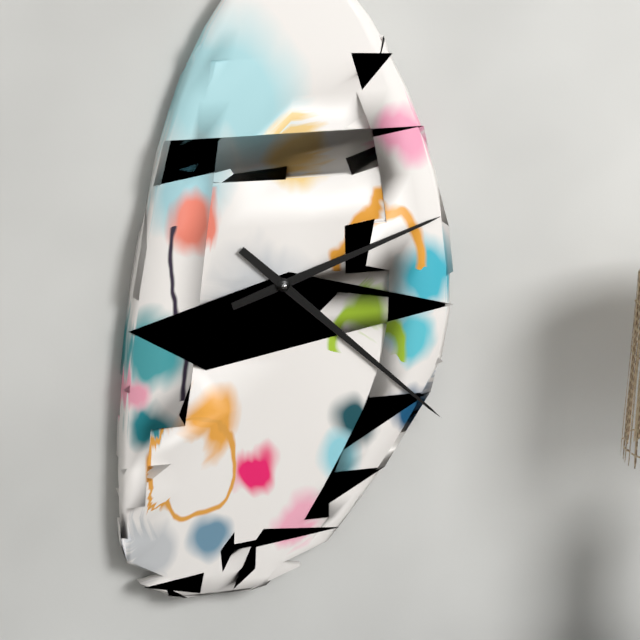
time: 2:22
